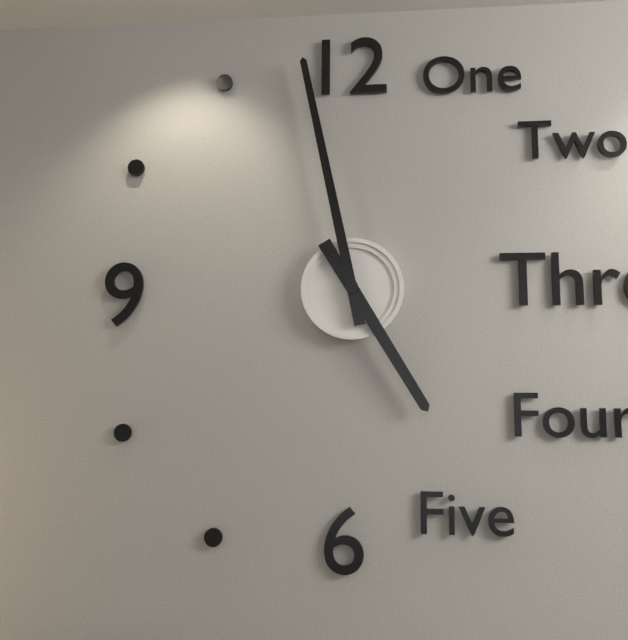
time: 4:58
